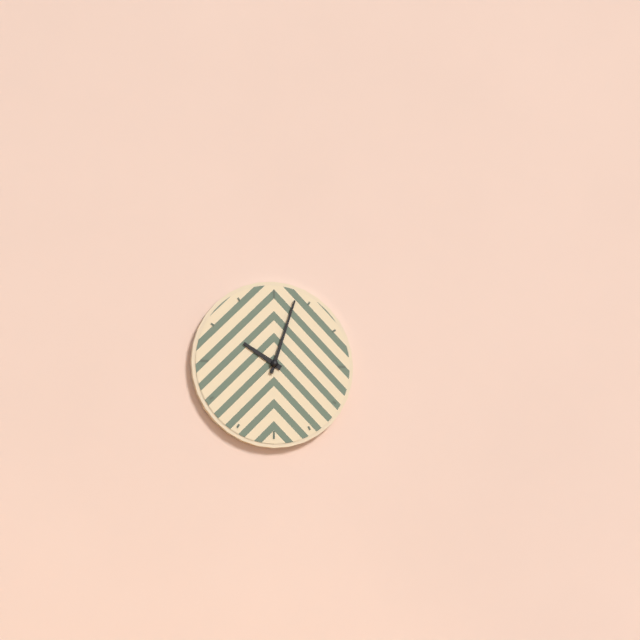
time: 10:03
